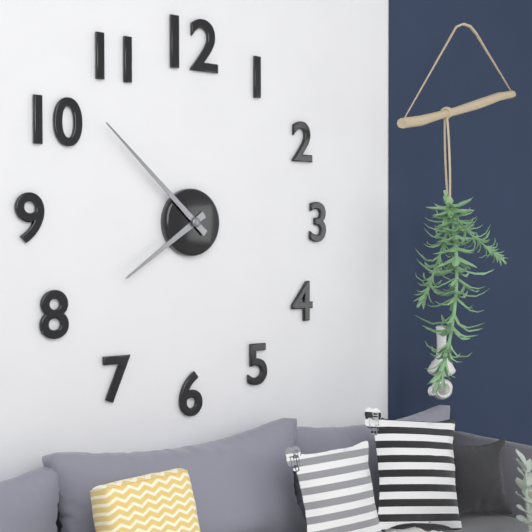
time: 7:52
